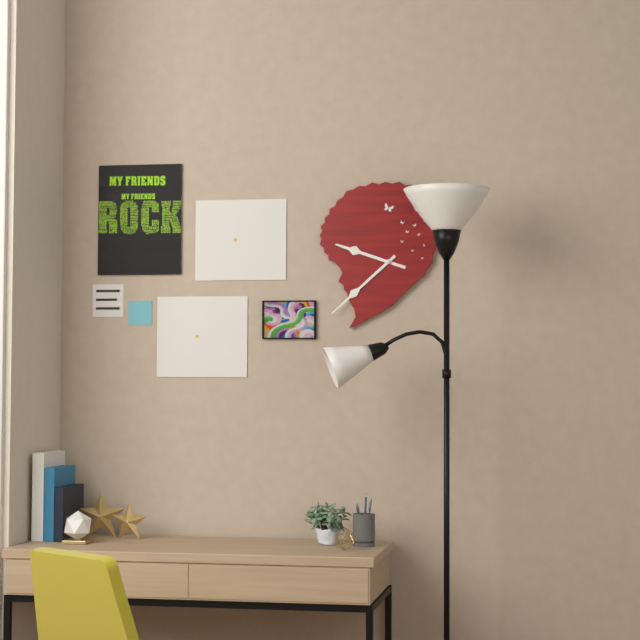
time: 9:38
